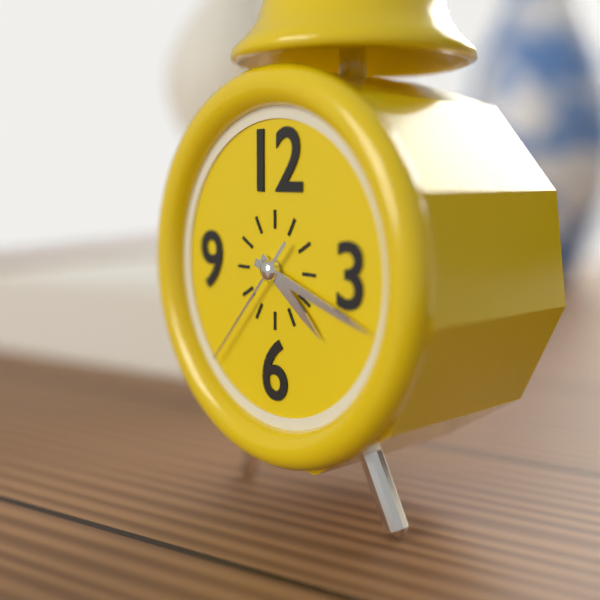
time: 4:18:37
